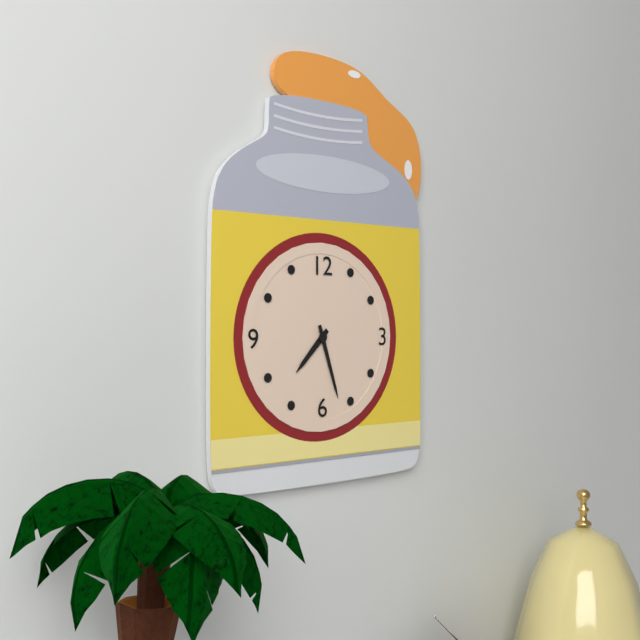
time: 7:27
